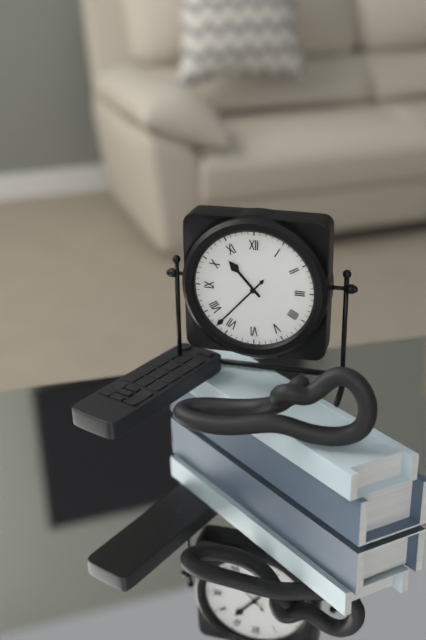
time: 10:37
